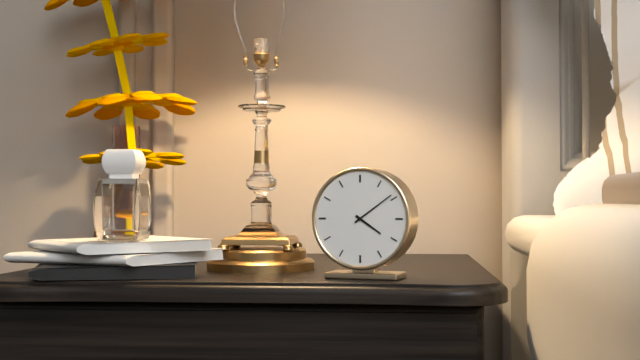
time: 4:09
